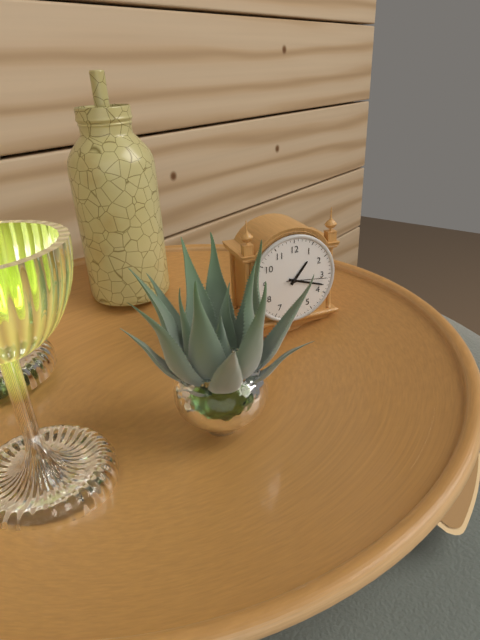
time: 1:18
